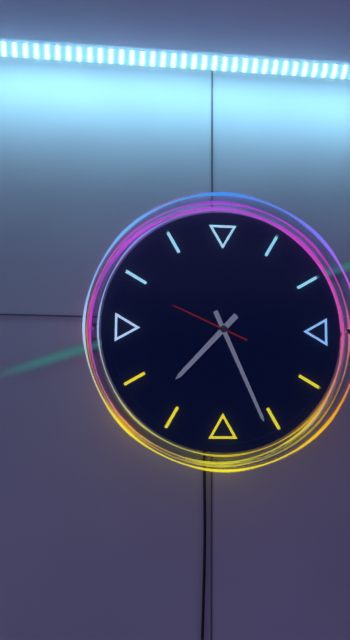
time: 7:26:49
